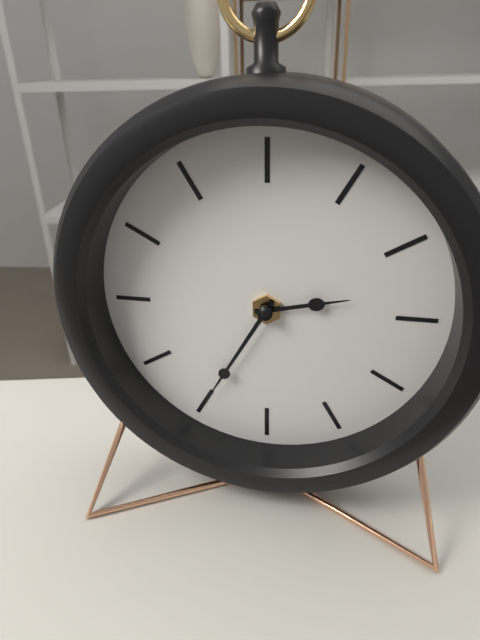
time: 2:35
